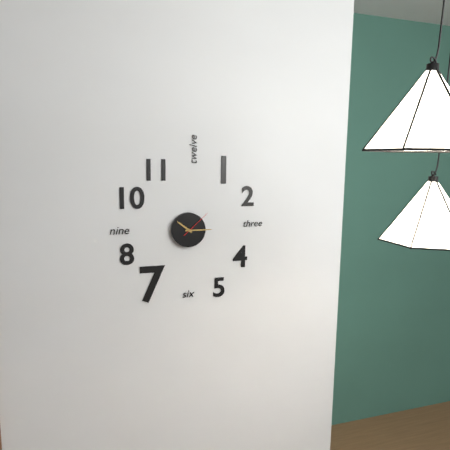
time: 10:15
